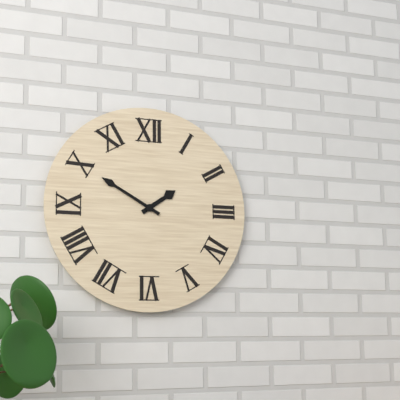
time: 1:50
